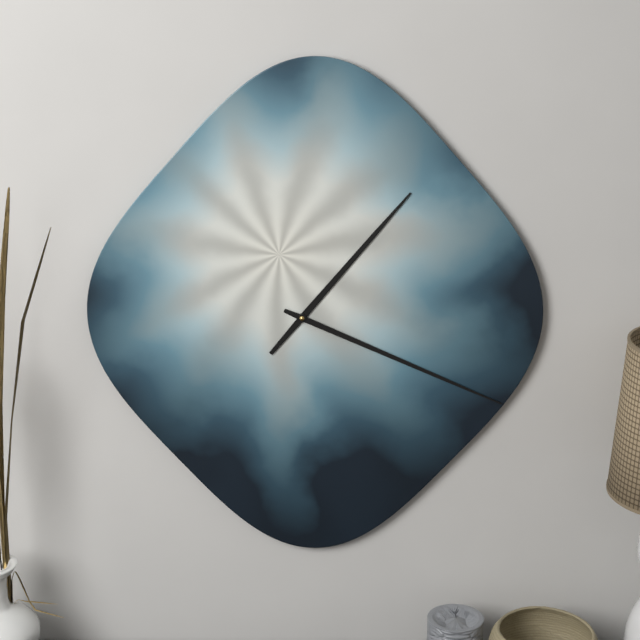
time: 1:19
